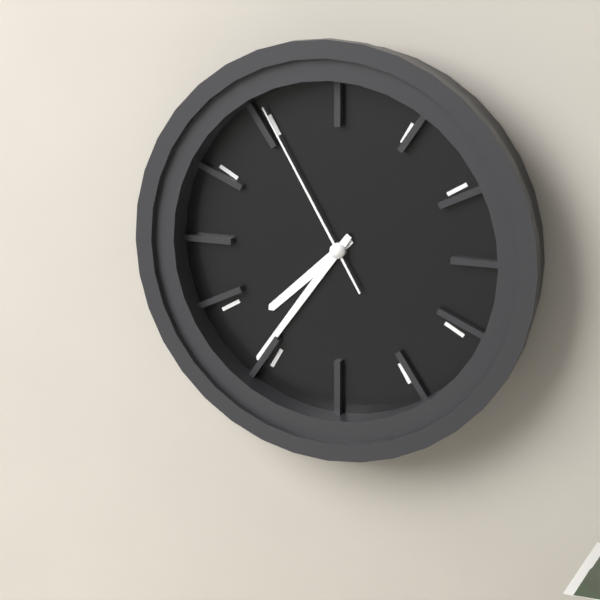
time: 7:36:55
